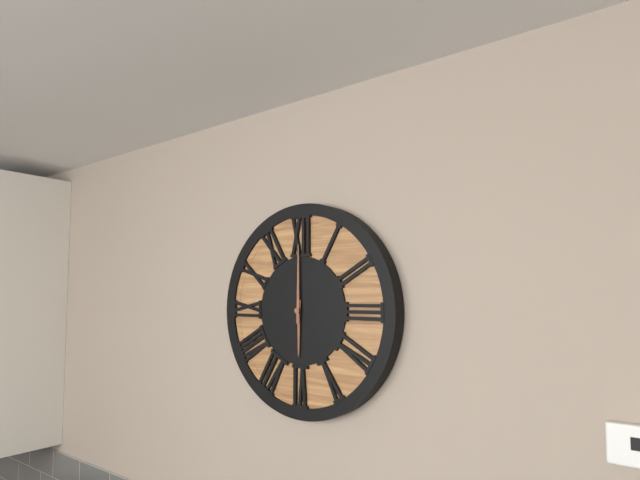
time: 6:00
